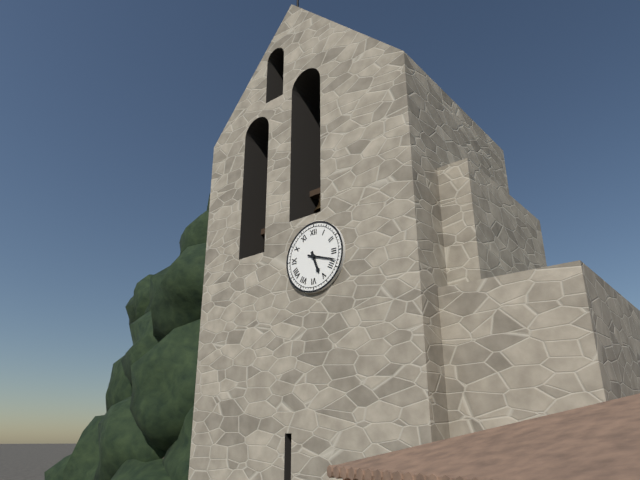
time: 5:18
